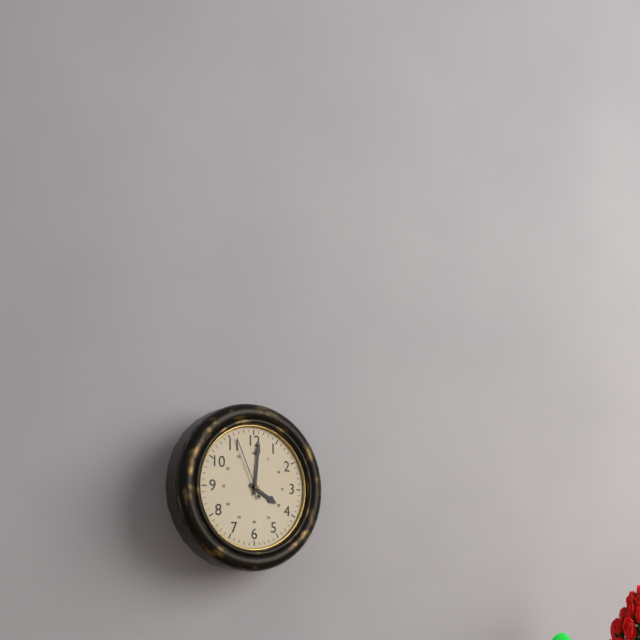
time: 4:01:56
